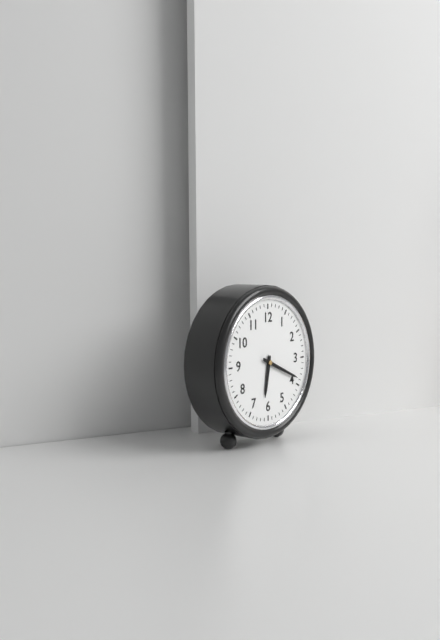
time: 6:19
